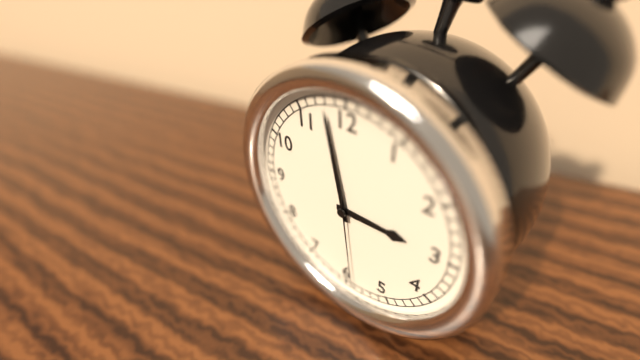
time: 2:58:29
